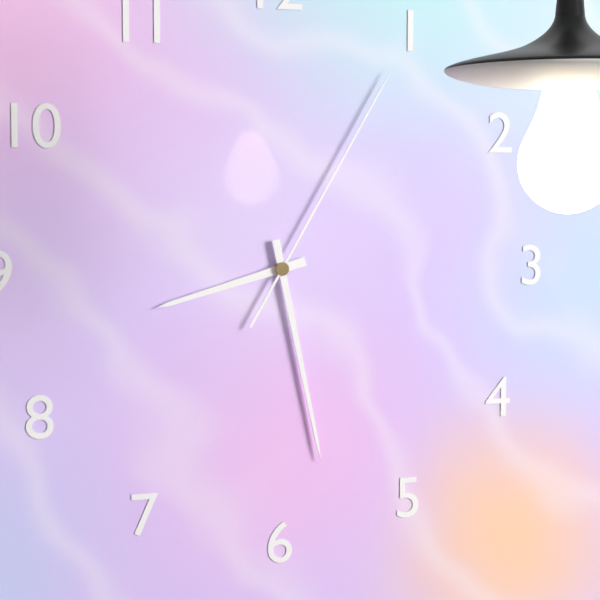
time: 8:28:05
